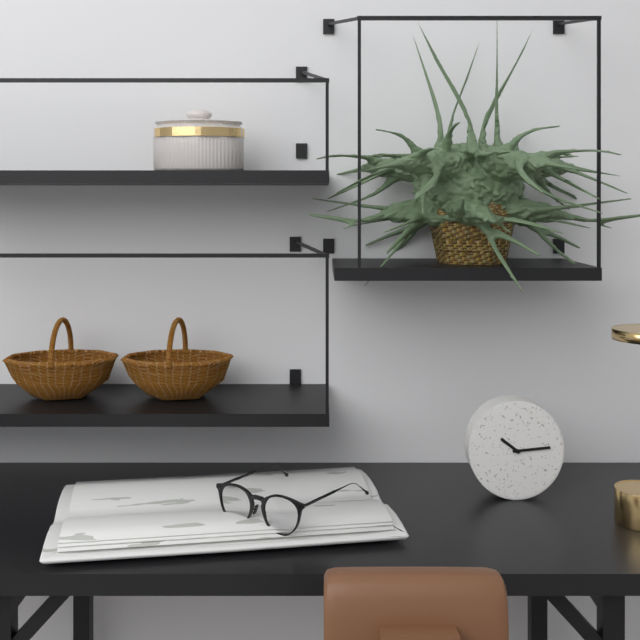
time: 10:14
